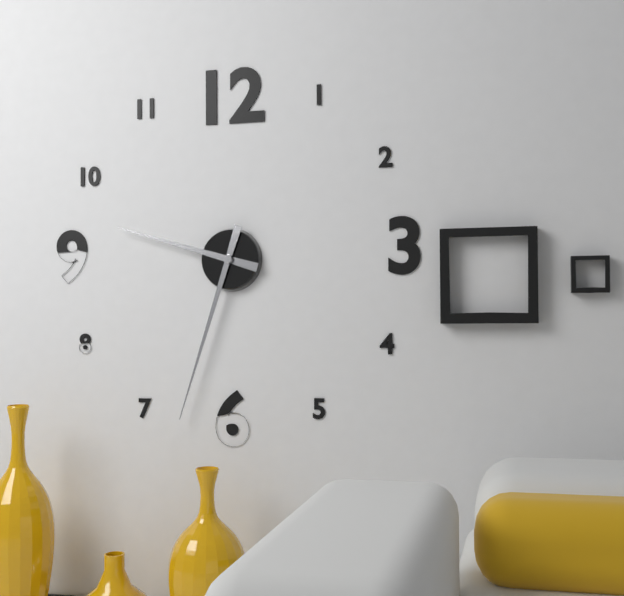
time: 9:33
